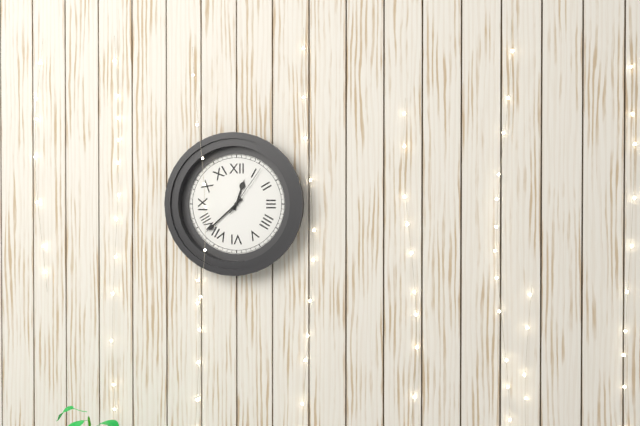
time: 12:38:06
